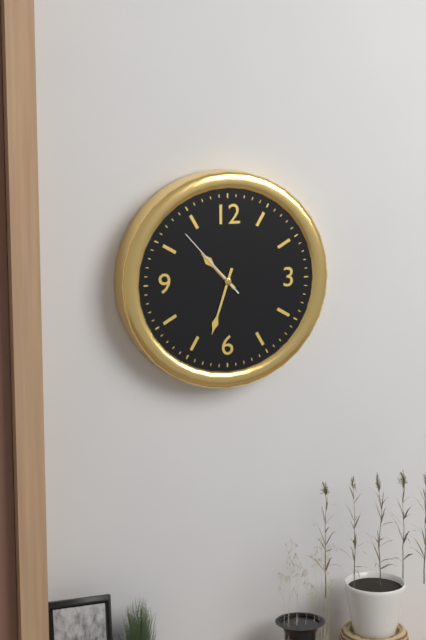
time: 10:33:53
